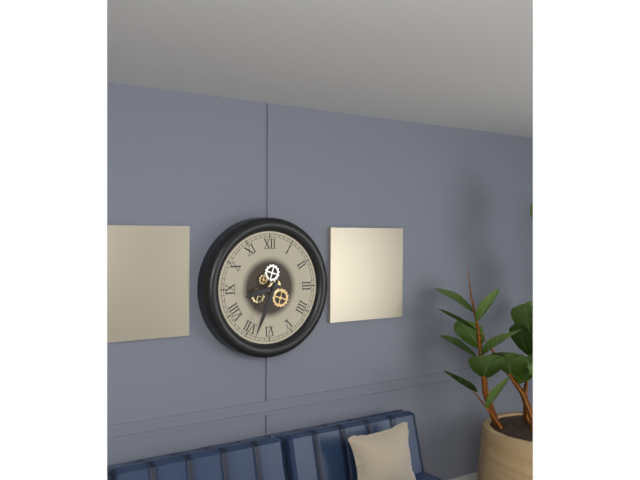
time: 8:34
